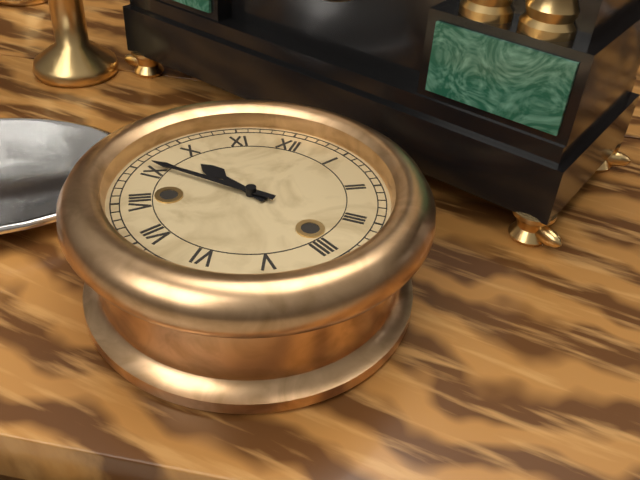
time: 9:46
